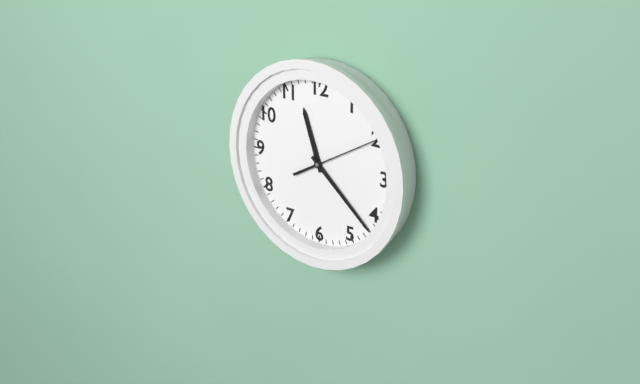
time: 11:22:10
